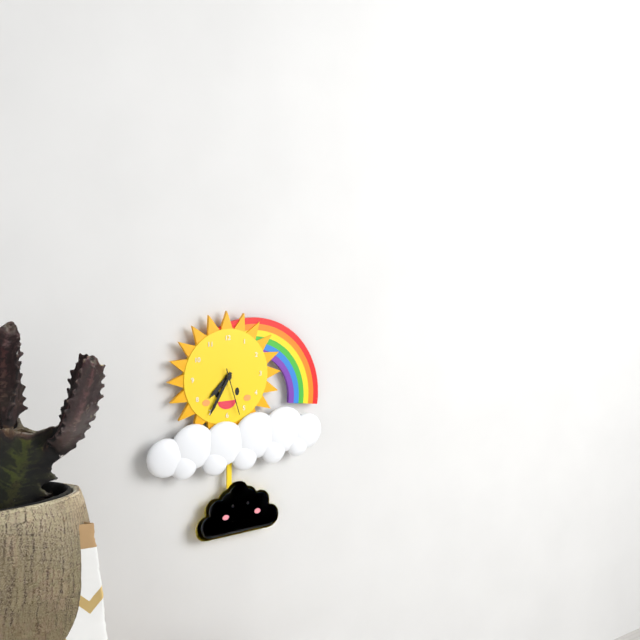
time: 7:35
